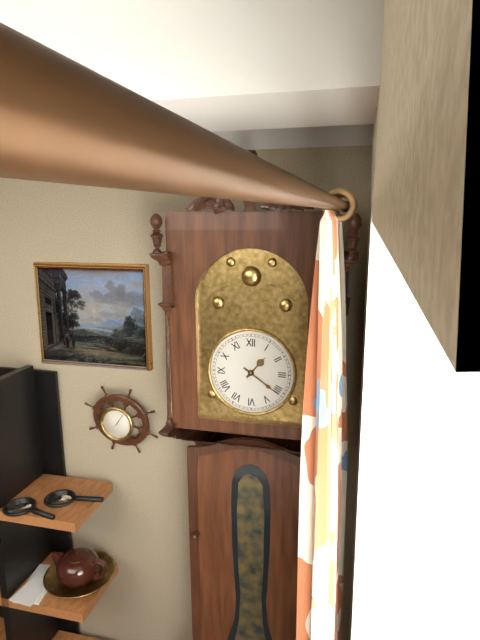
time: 1:21
